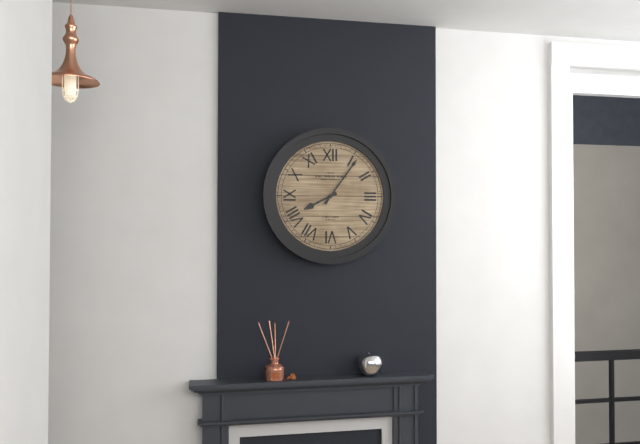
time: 8:06
